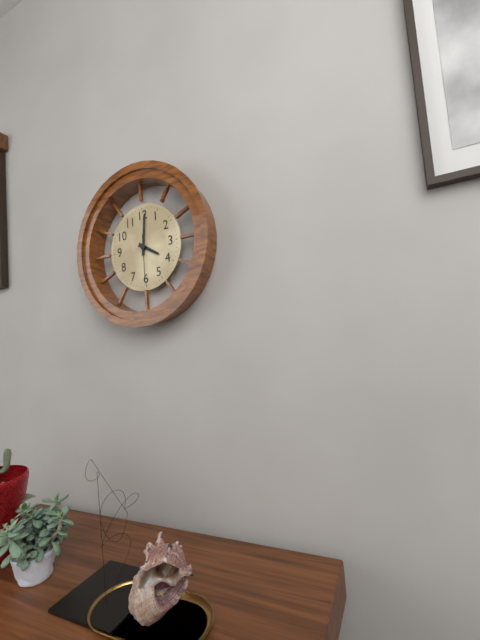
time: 4:01
